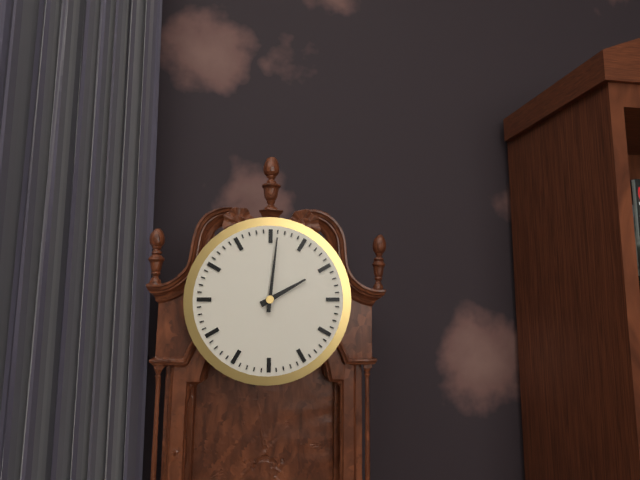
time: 2:01
